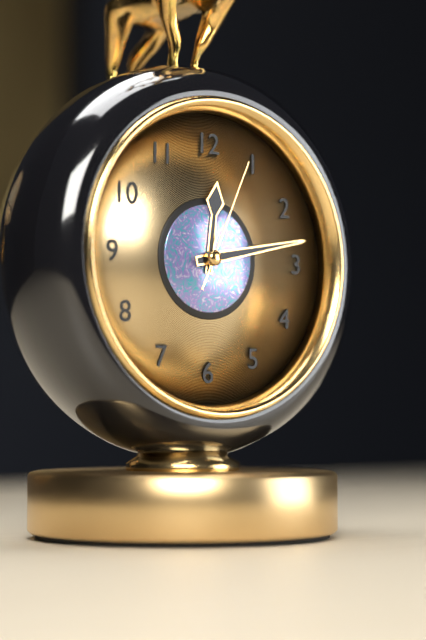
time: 12:13:04
